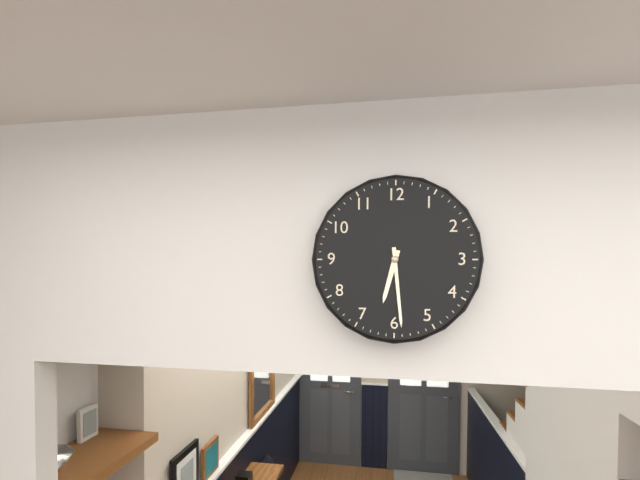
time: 6:29
